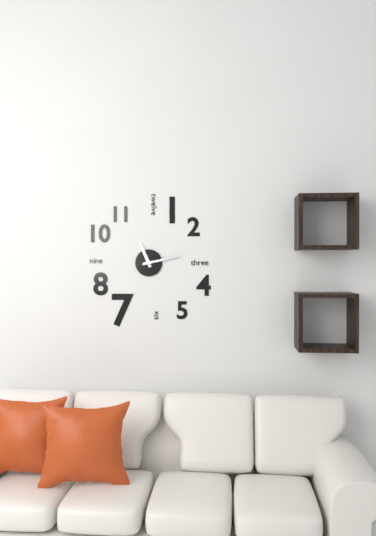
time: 11:13
